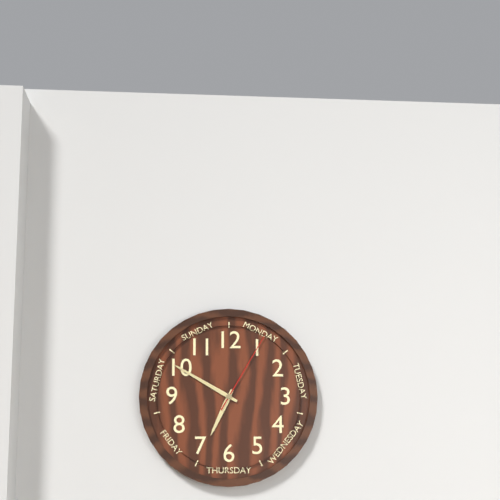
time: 6:50:05
